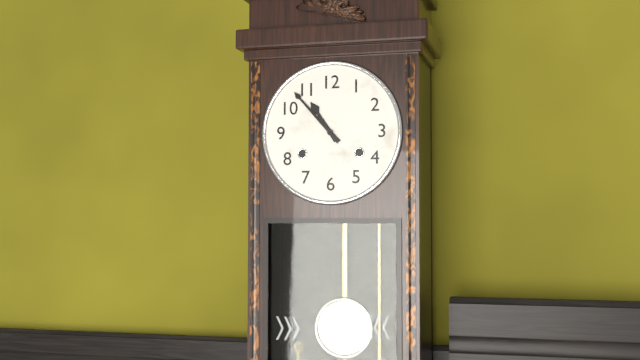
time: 10:53
